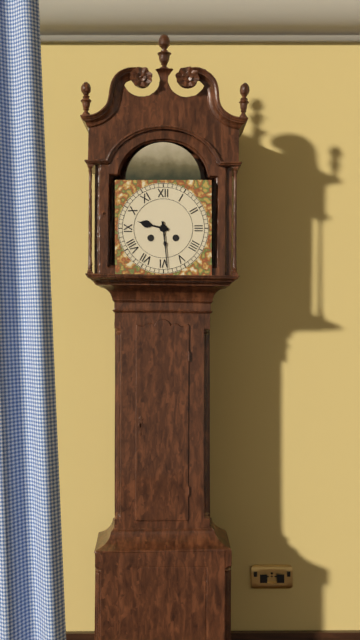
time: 9:29
